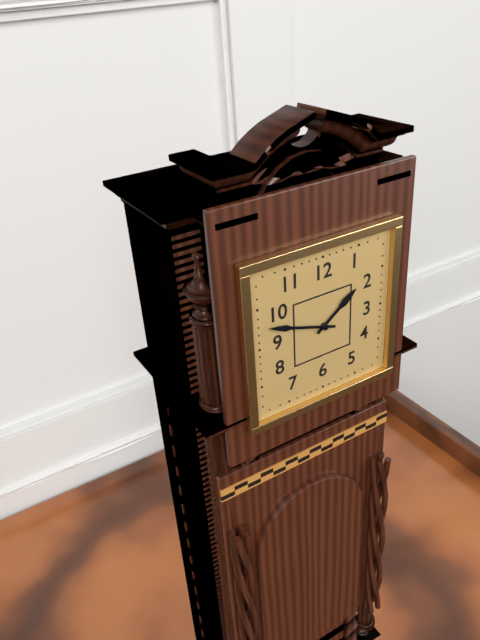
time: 1:48
